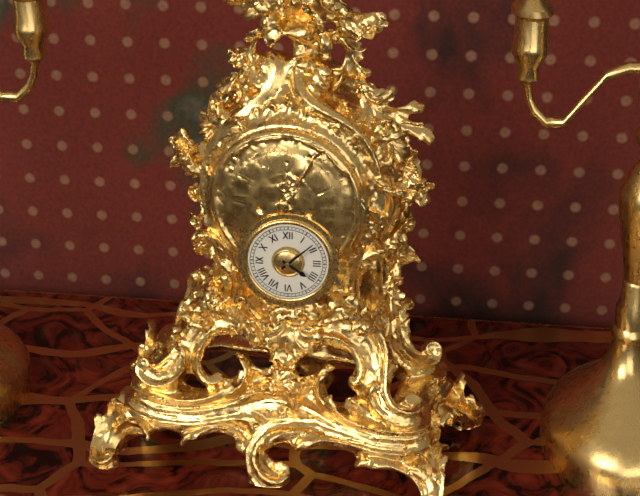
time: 4:08
